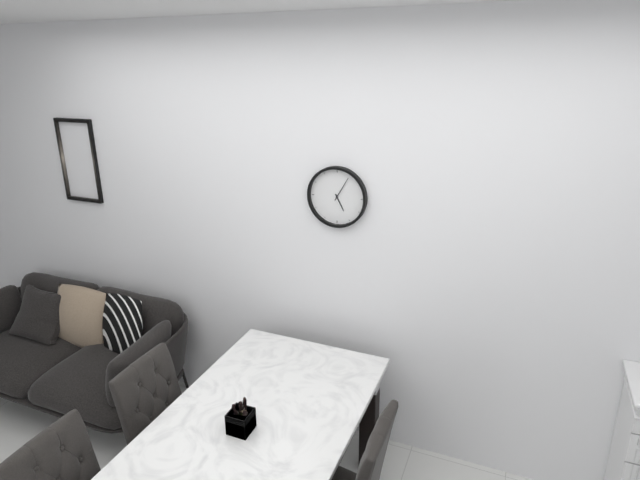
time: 5:05
